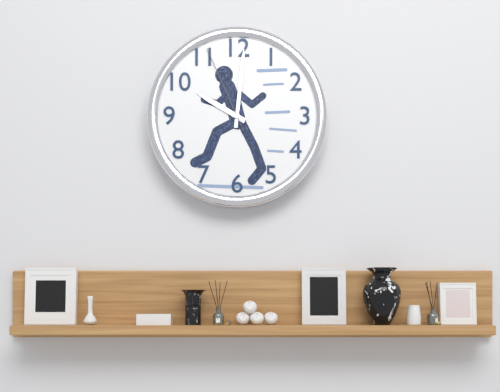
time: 10:01:56
